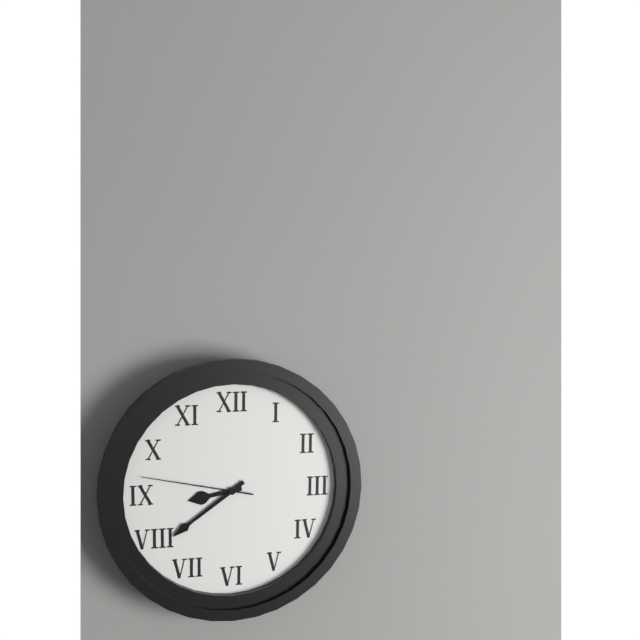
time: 8:39:47
